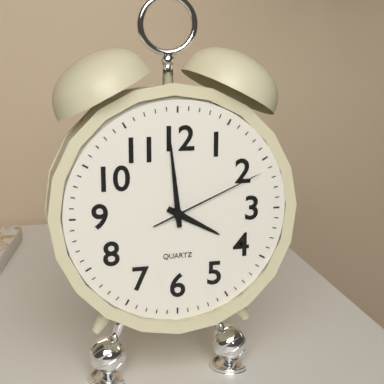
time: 3:59:11
